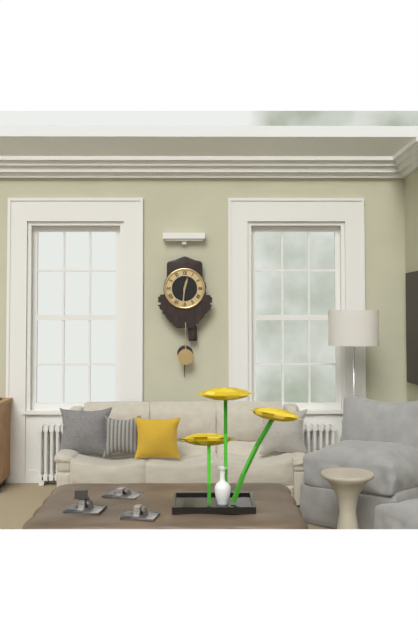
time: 12:31
